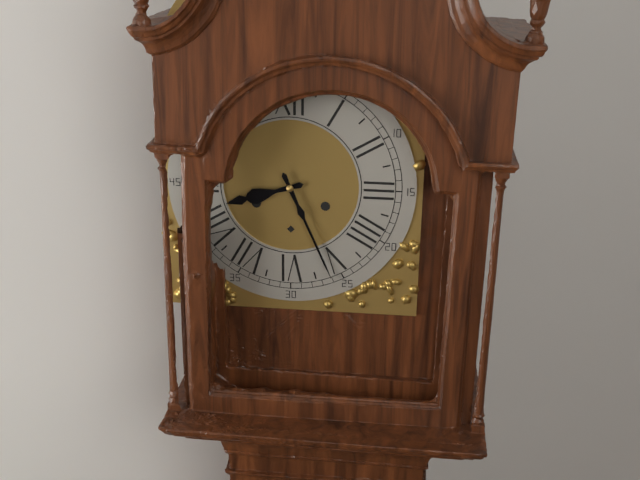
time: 8:26
